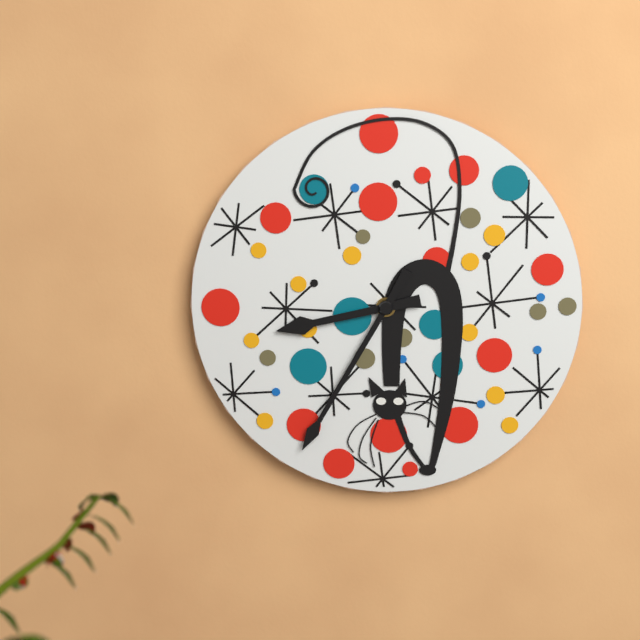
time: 8:35
